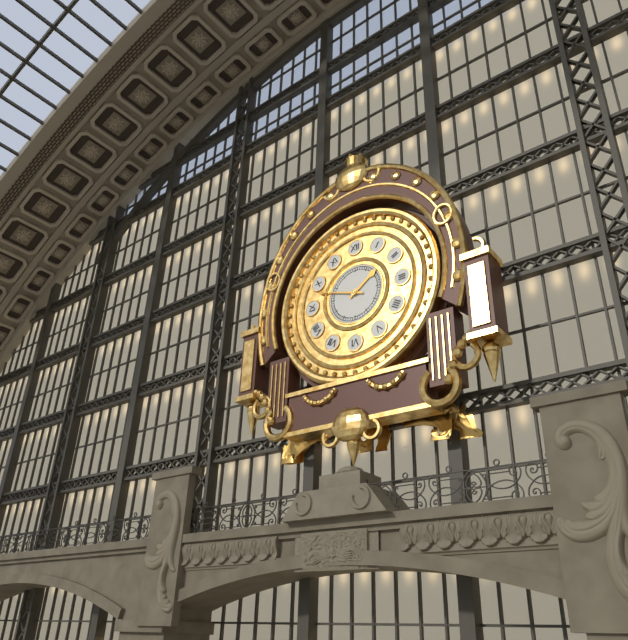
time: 1:48
